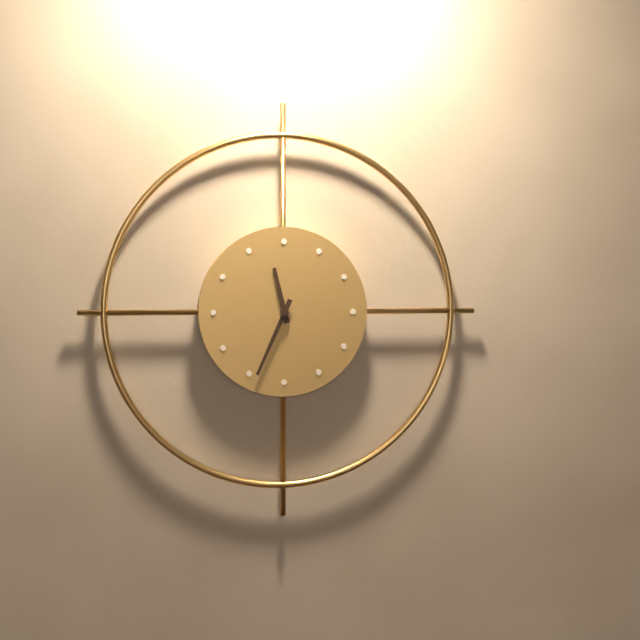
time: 11:34
